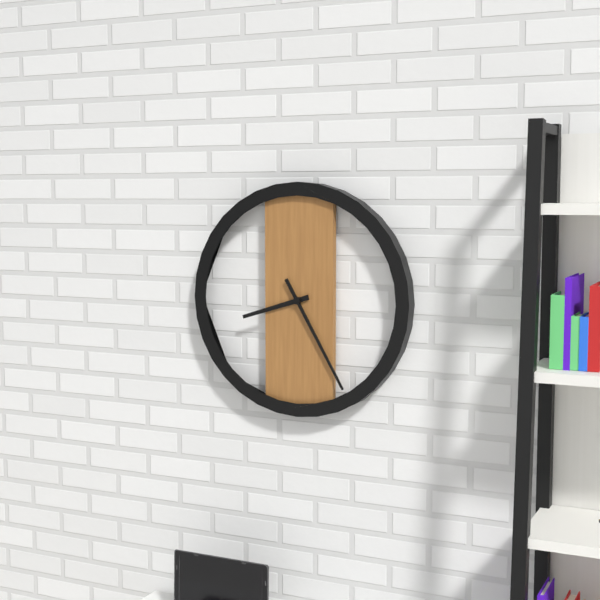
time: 8:25
